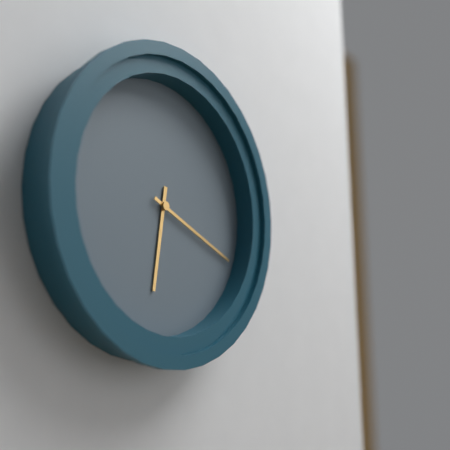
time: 6:19
